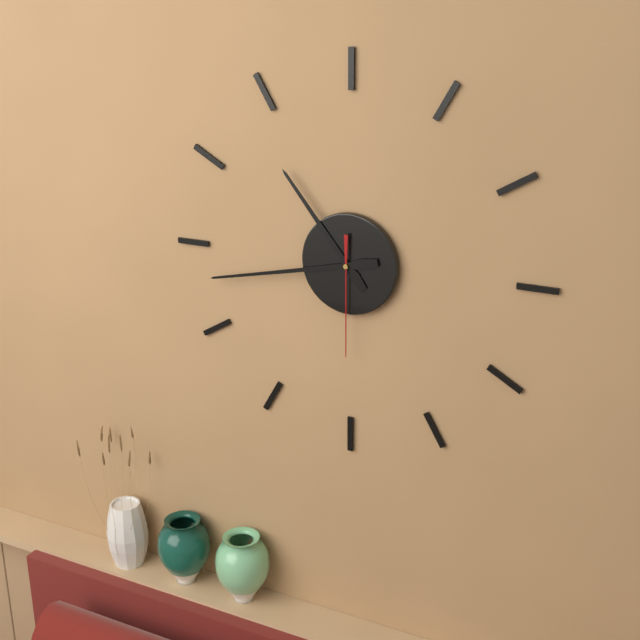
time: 10:43:30
